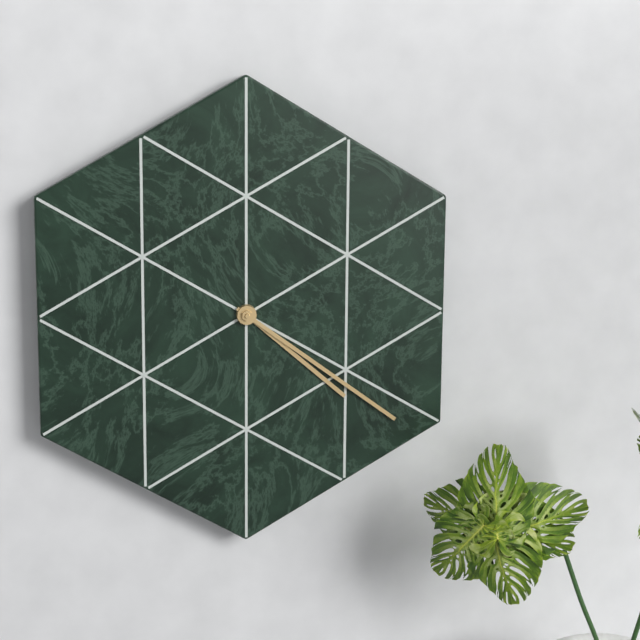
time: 4:21
